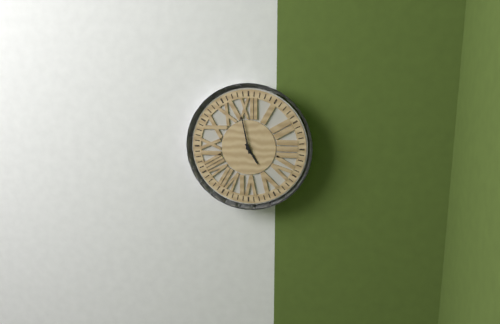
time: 4:58
